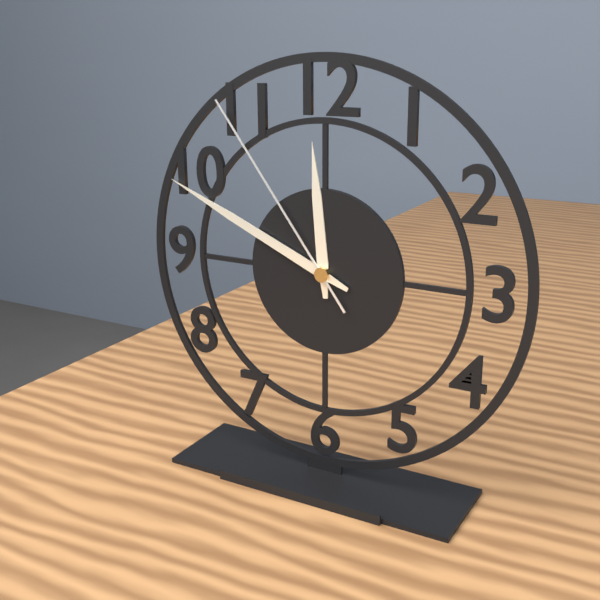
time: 11:49:54
